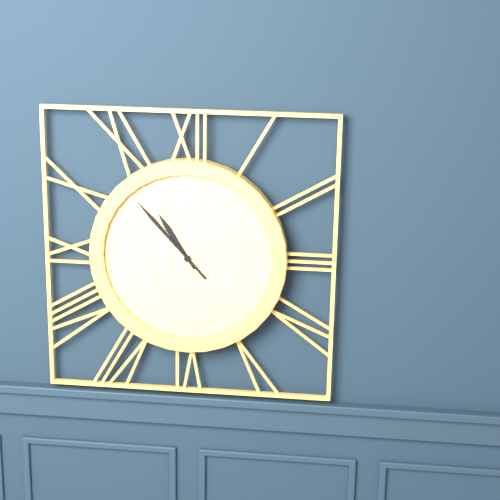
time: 10:53
